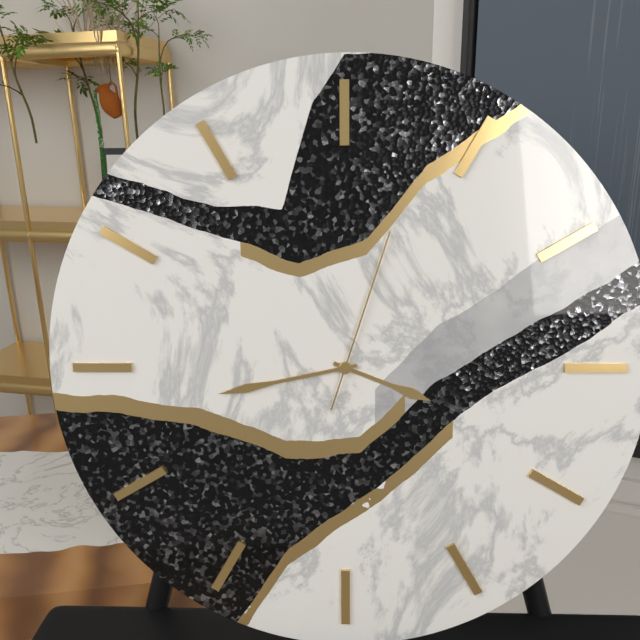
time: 3:43:03
